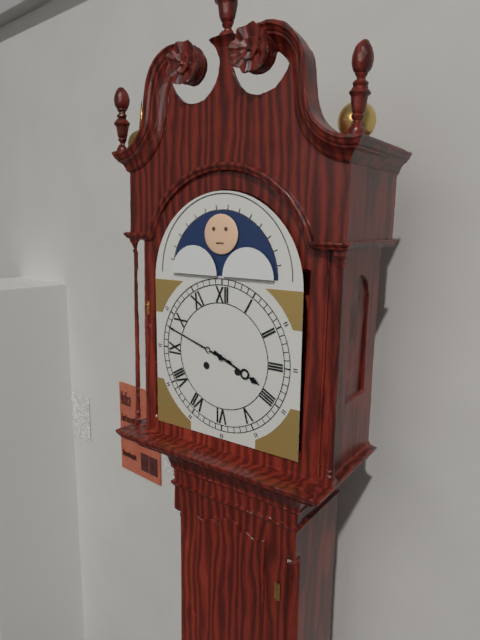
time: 3:48
